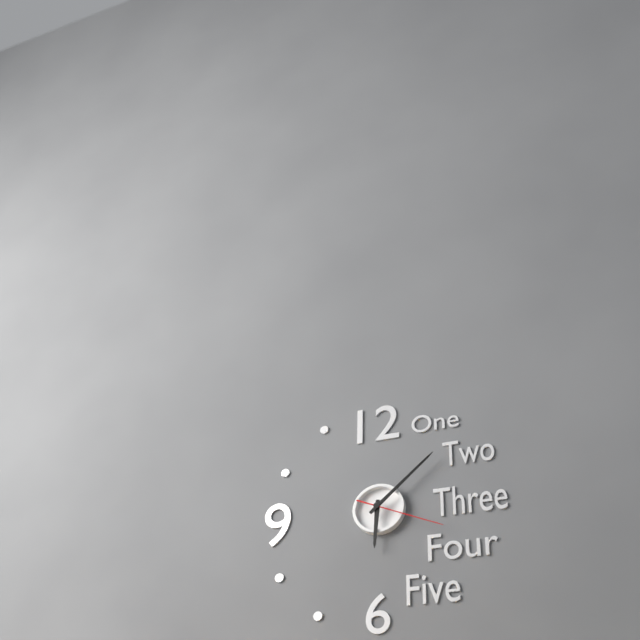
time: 6:08:19
